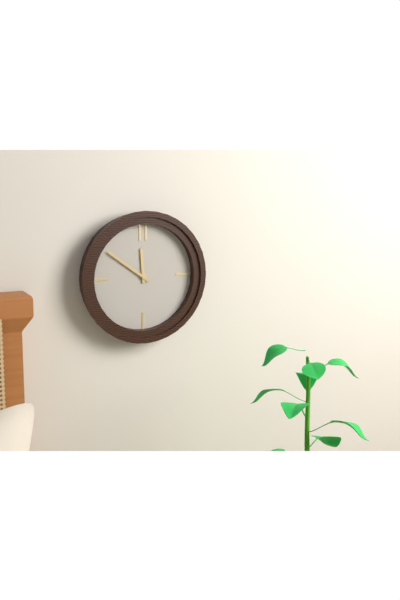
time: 11:51
